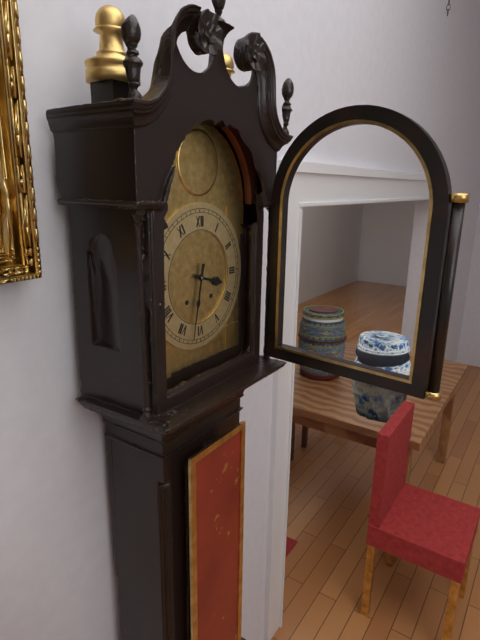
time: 3:32
